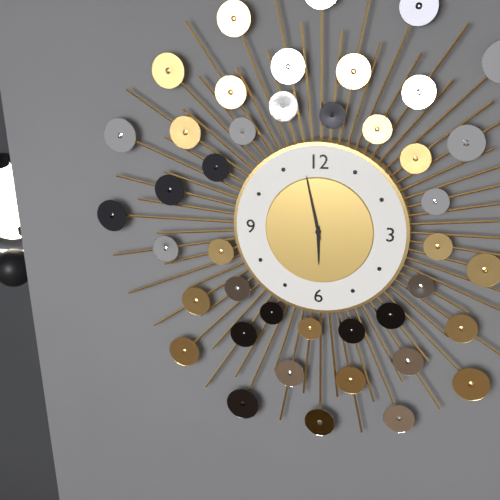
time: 5:58
